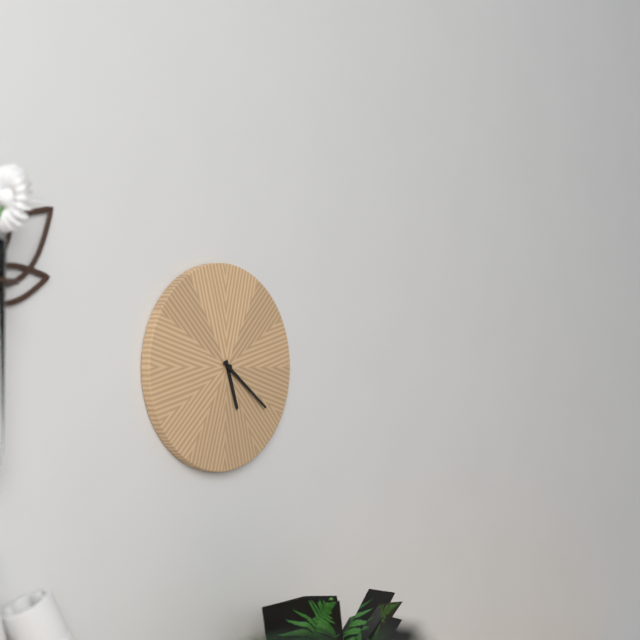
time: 5:21
